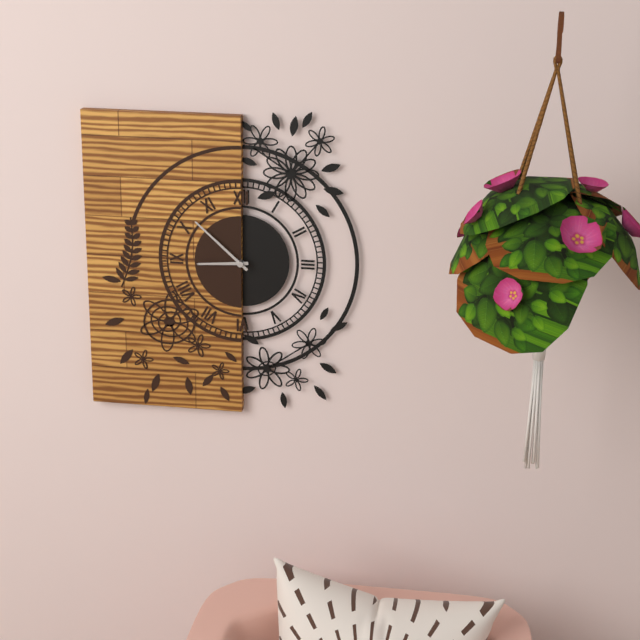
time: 8:52
